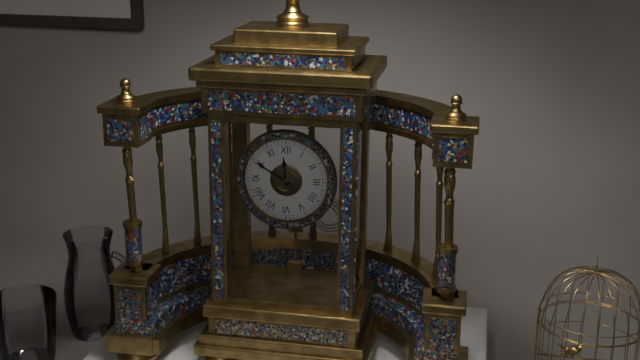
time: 11:50
